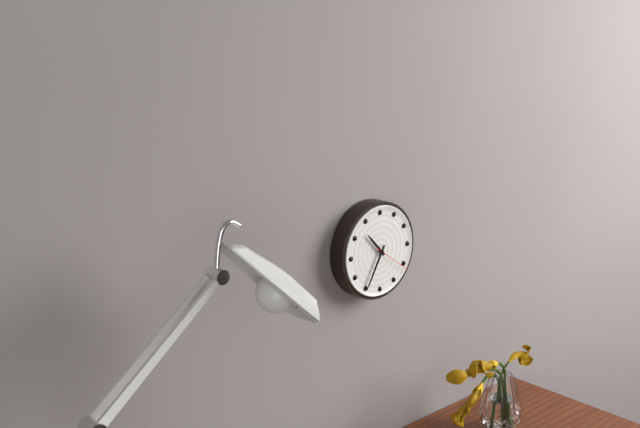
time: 10:35:21
